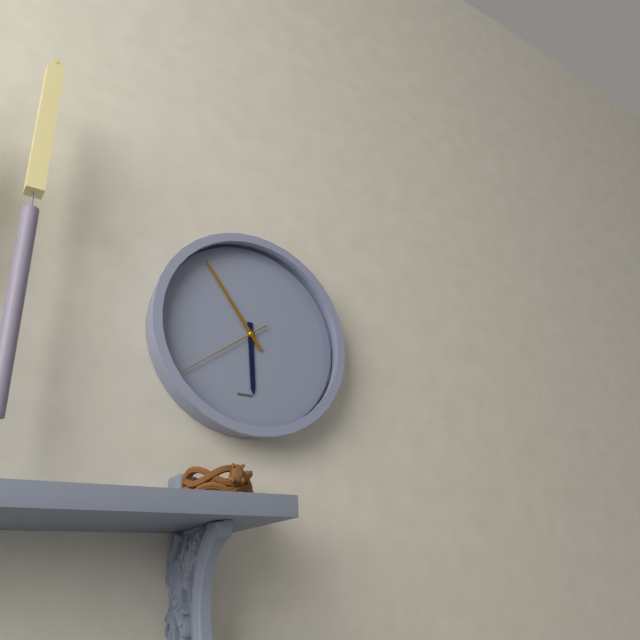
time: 5:54:39
